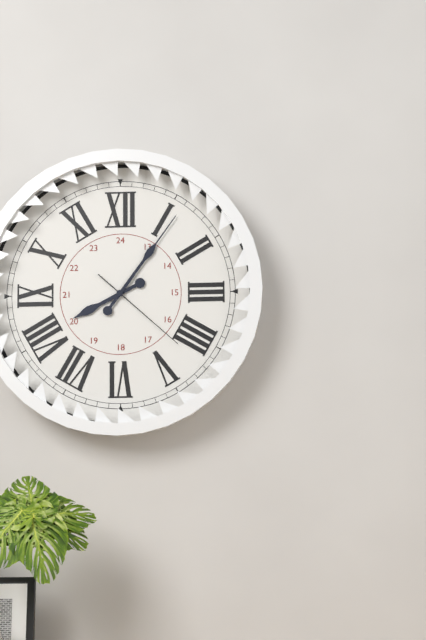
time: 8:06:22
